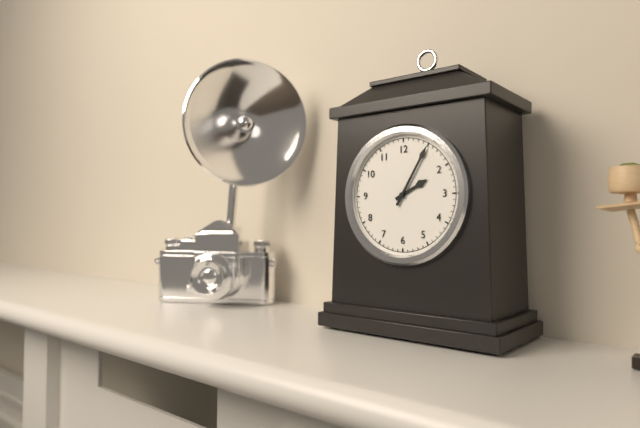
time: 2:05
